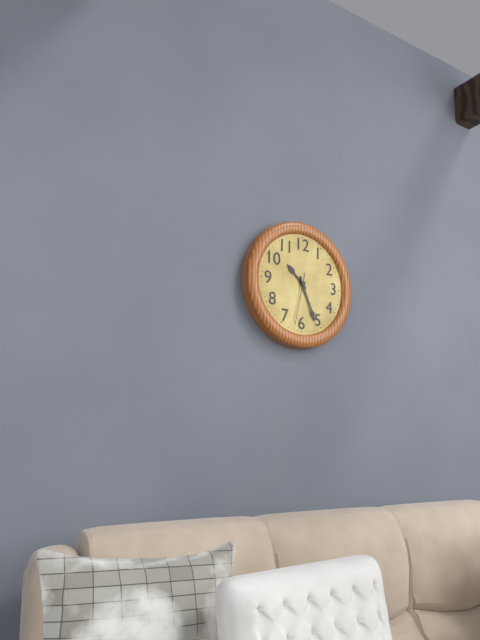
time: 10:26:32
